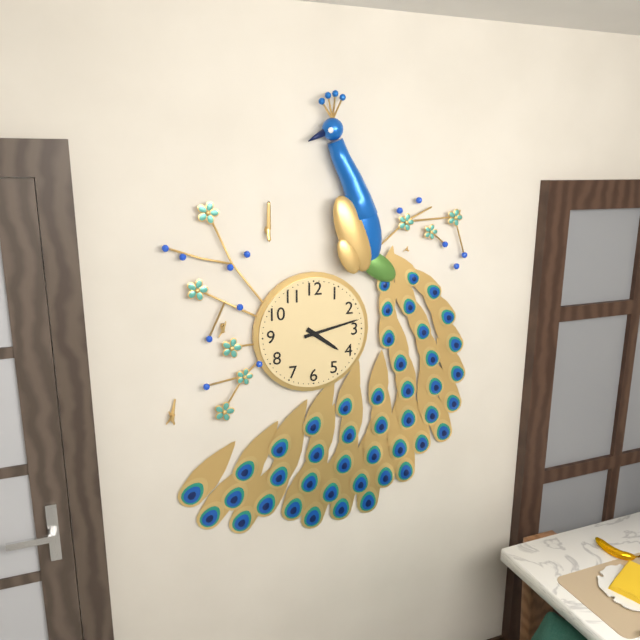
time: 4:13
